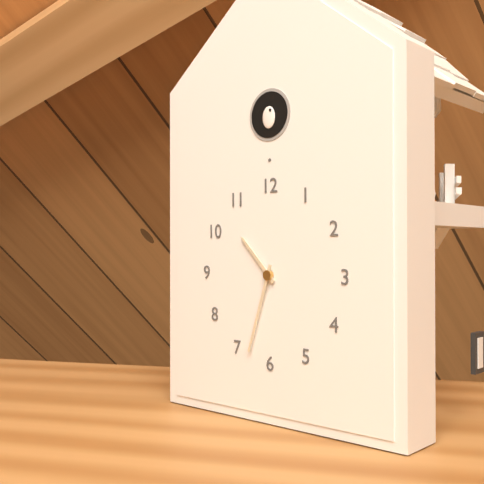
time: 10:33
